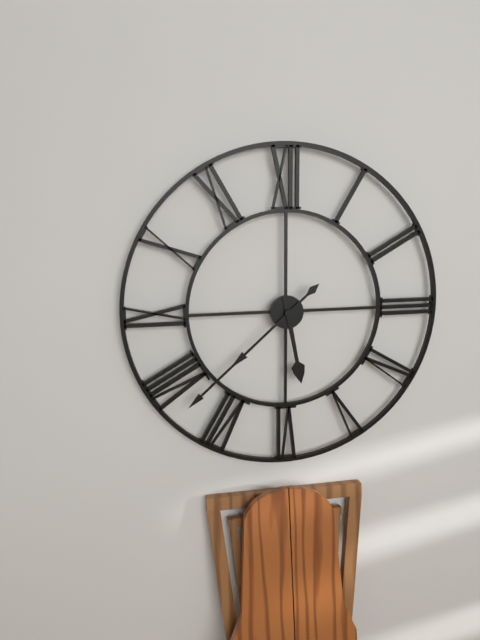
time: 5:38
